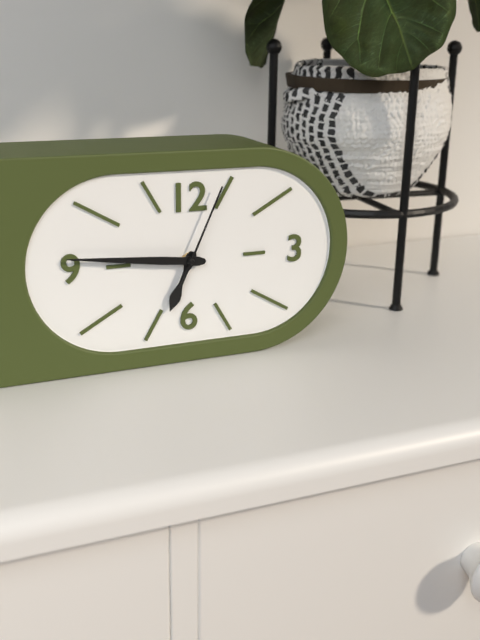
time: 6:46:04
